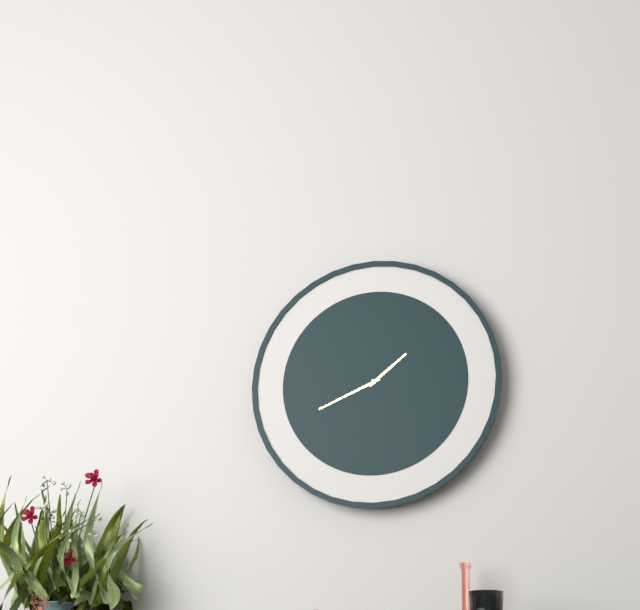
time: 1:41
